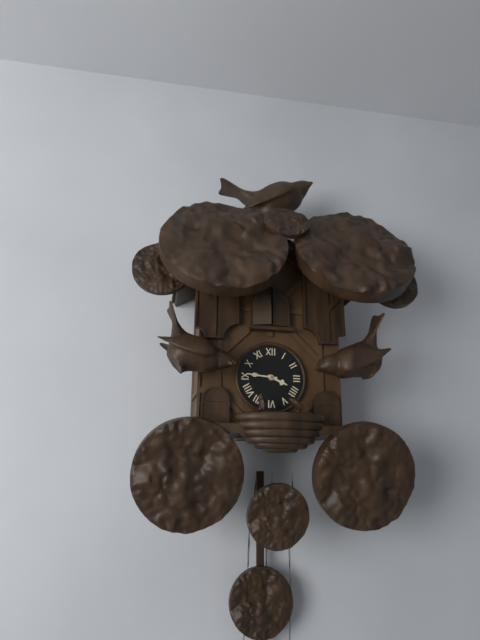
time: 3:46
